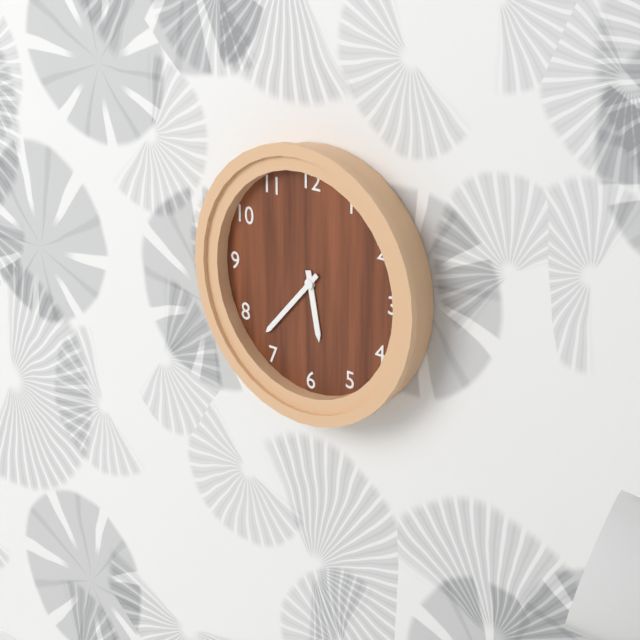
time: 5:37
